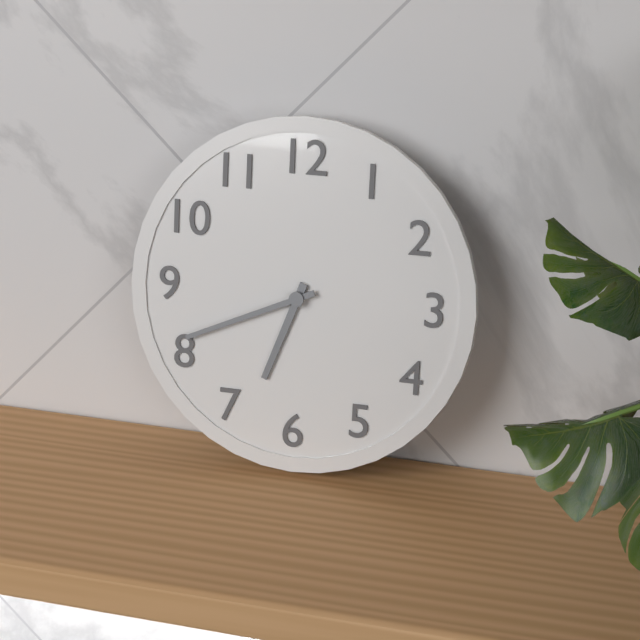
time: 6:41
